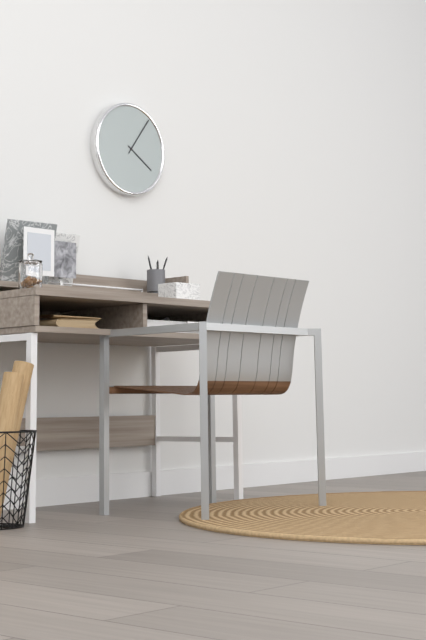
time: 4:06
